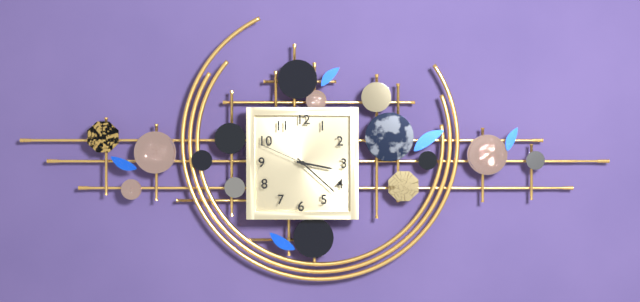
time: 3:22:49
